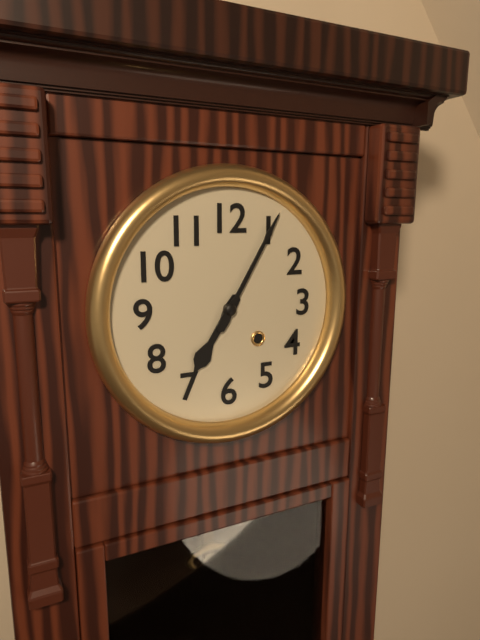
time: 7:05
